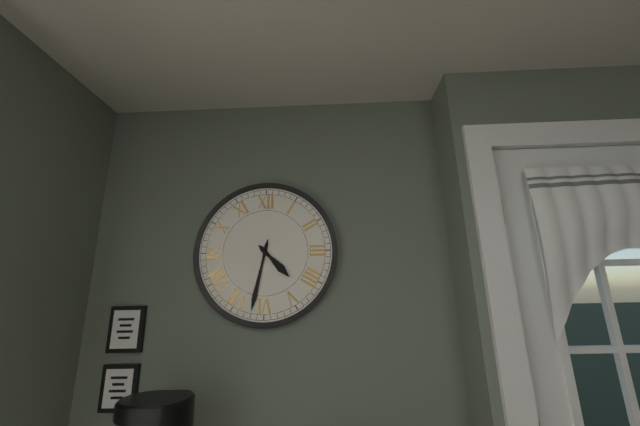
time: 4:32
